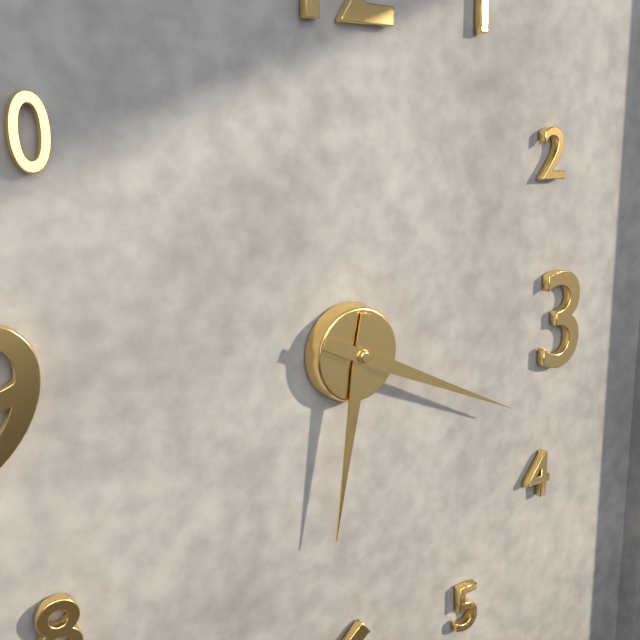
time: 6:19
